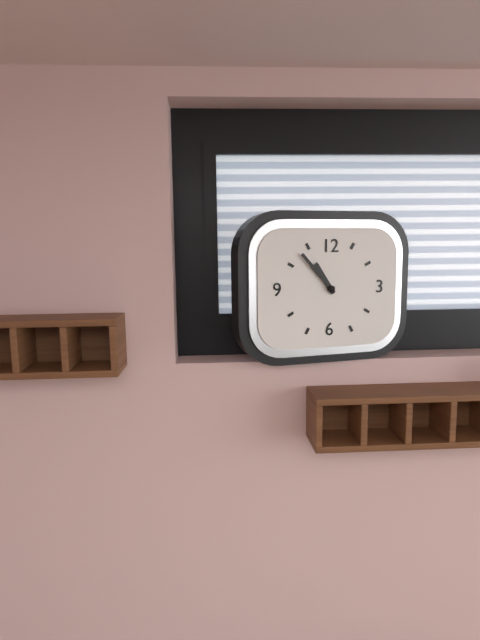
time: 10:53
